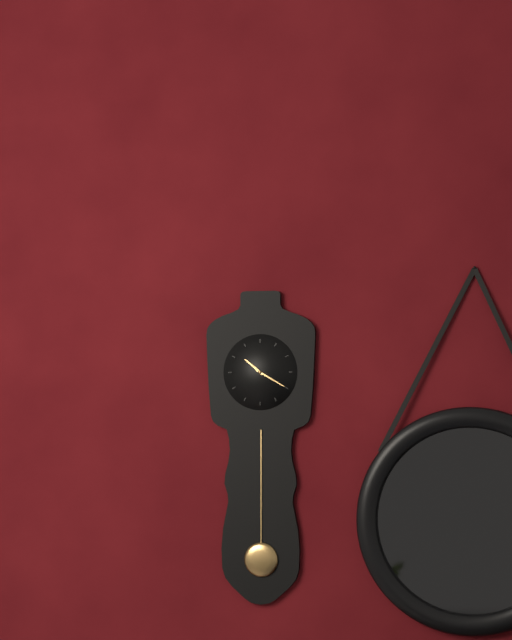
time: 10:20
